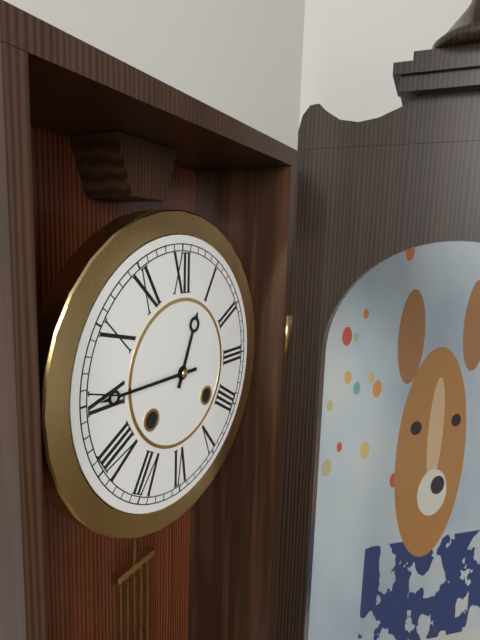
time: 12:45
